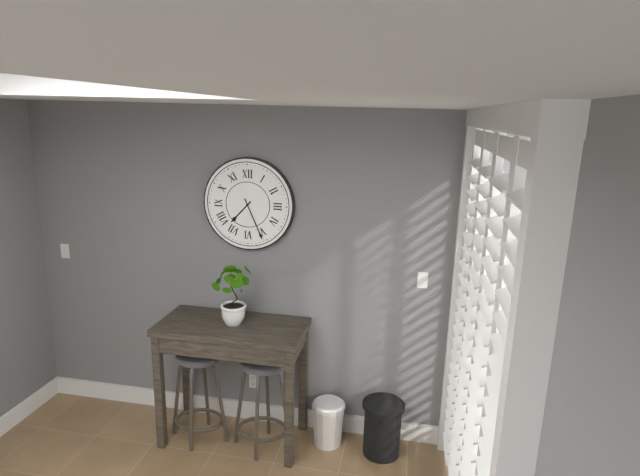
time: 7:26
